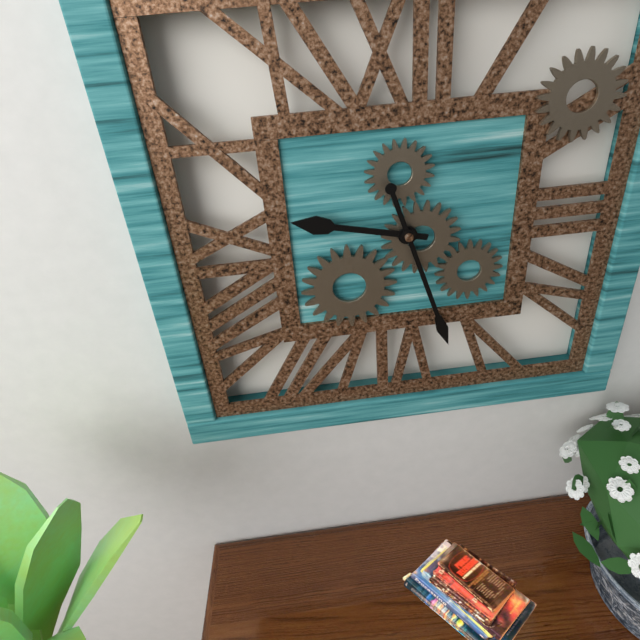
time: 9:27
